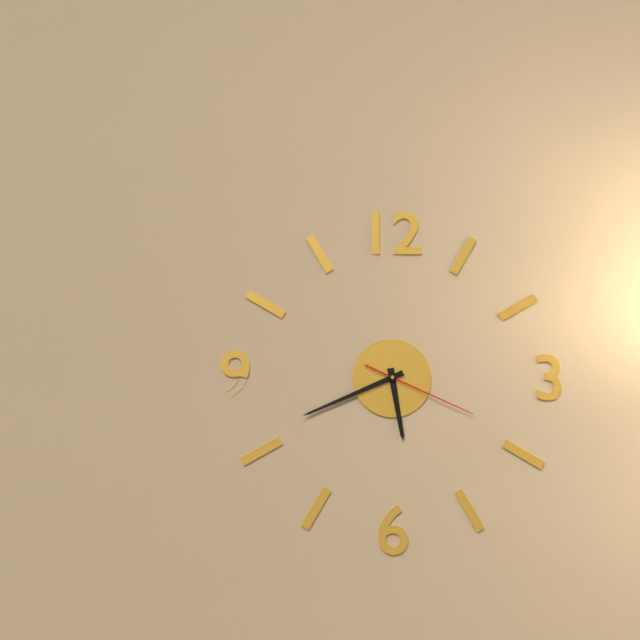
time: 5:41:19
